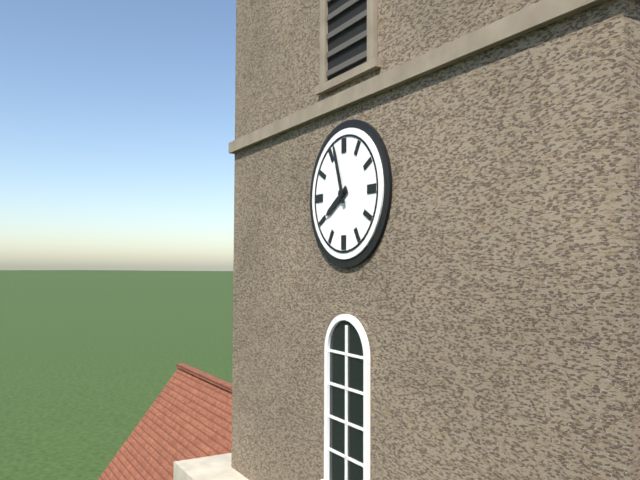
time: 7:57
